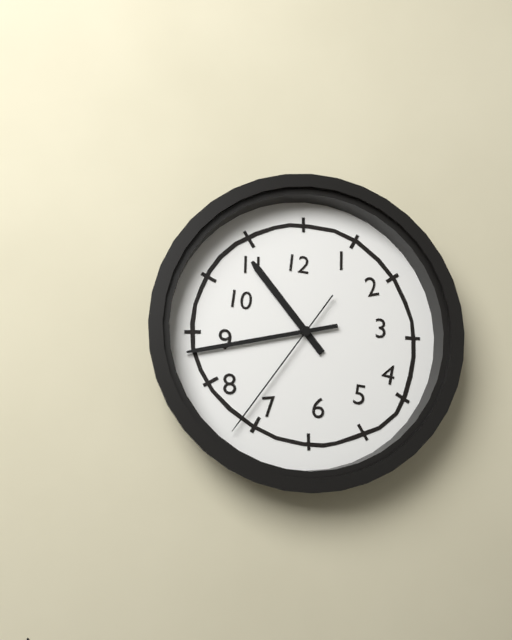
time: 10:43:36
